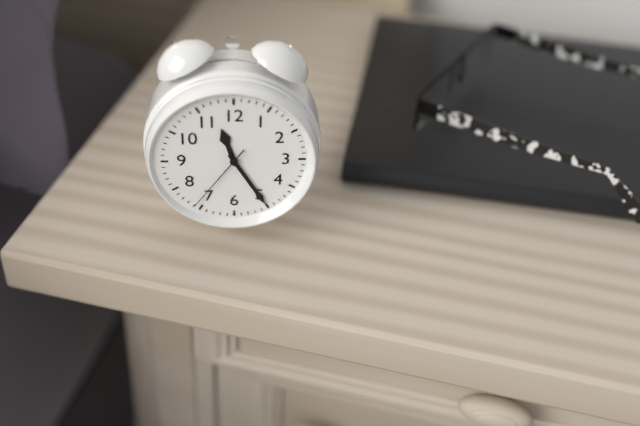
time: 11:25:36
